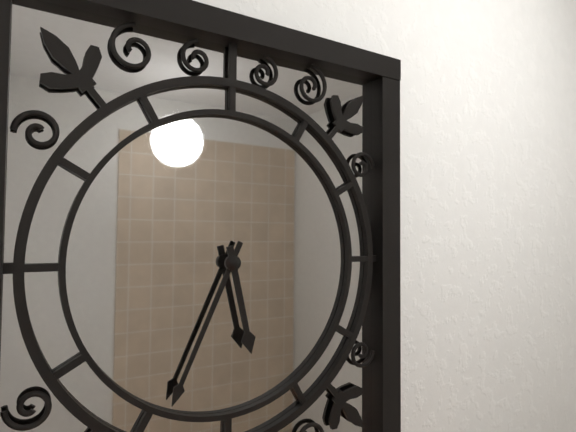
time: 5:34
